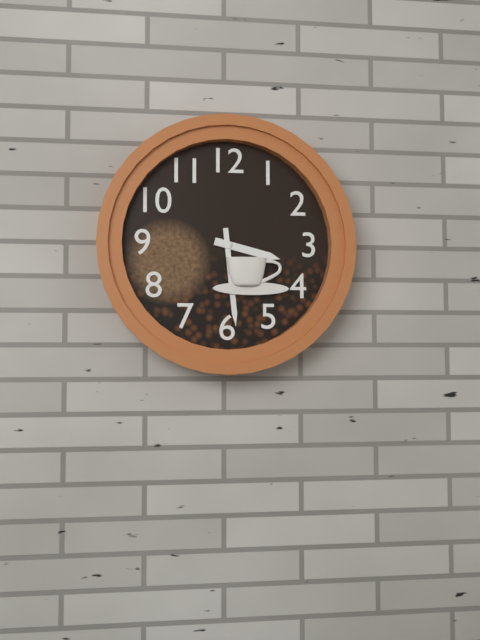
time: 3:29
